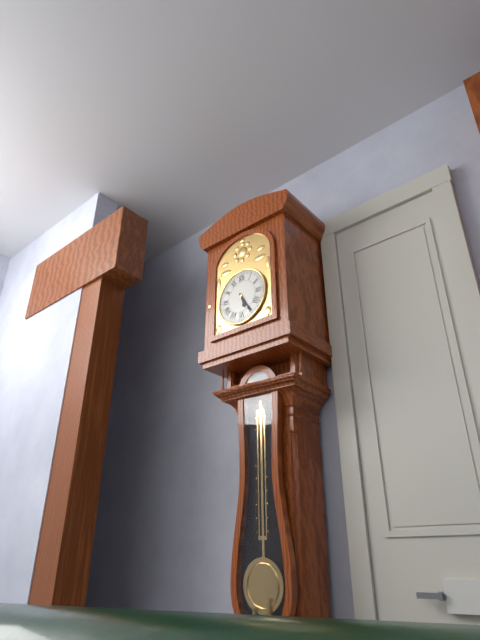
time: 5:25
